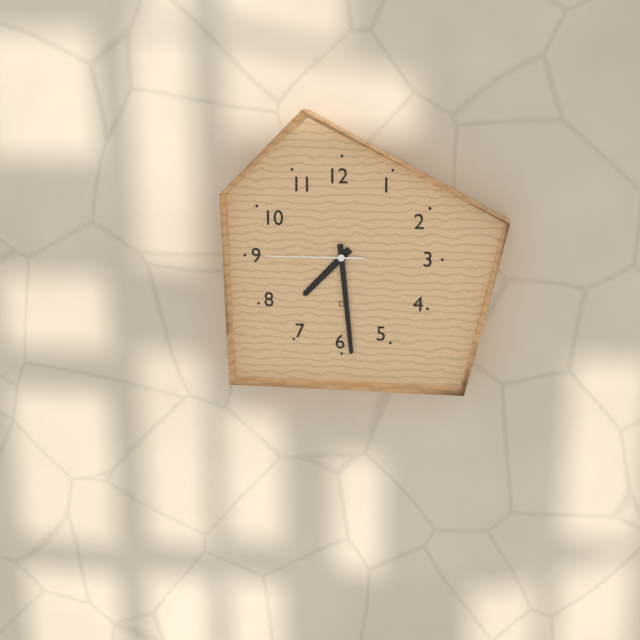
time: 7:29:45
